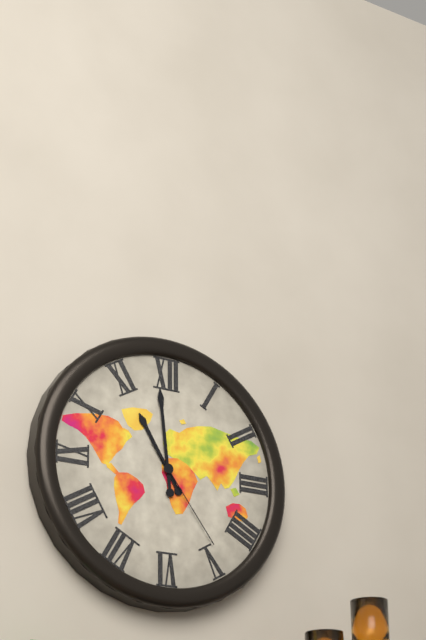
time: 10:59:24
